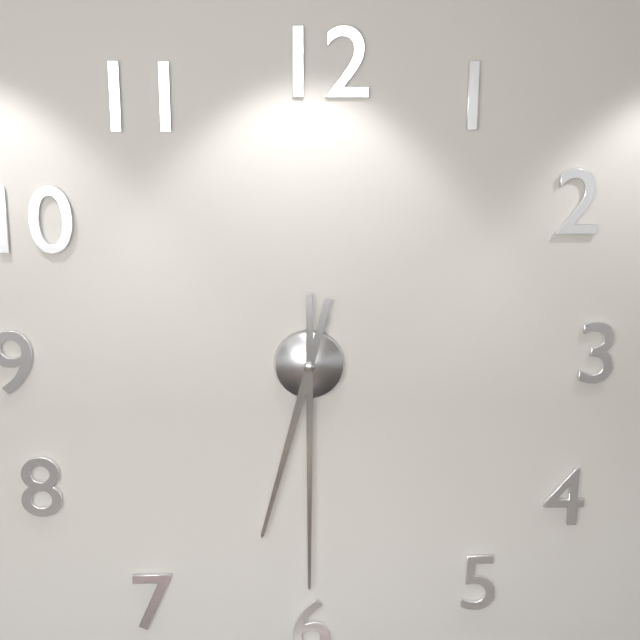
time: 6:30
